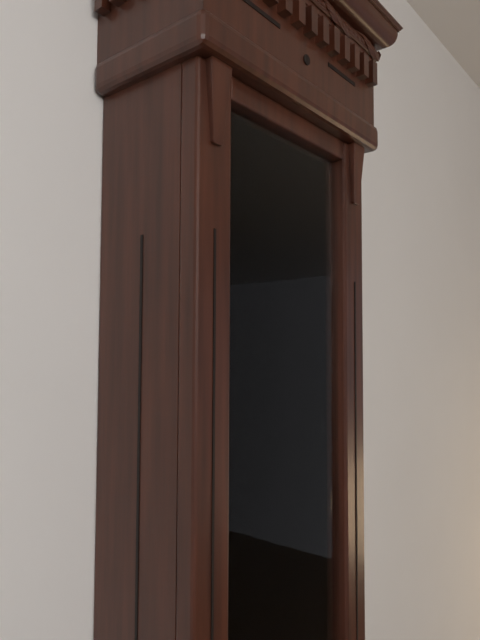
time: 4:14
